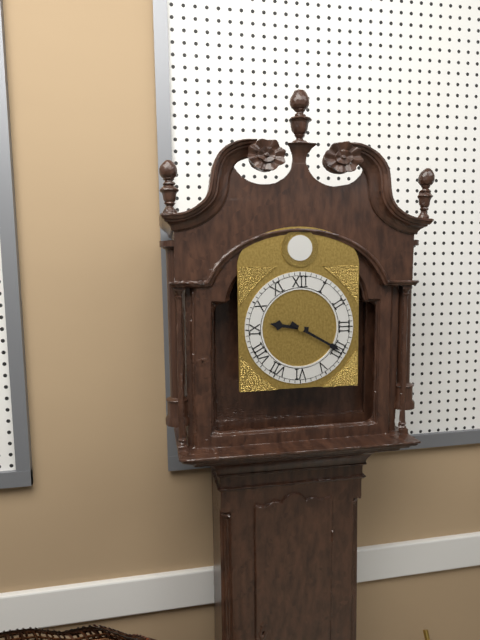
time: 9:20
